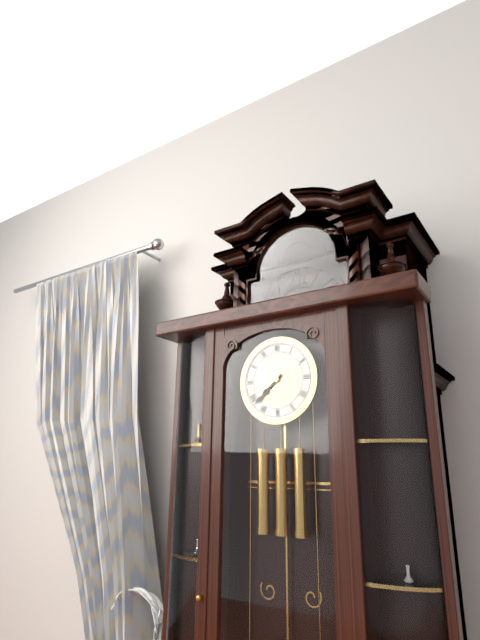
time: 7:38
